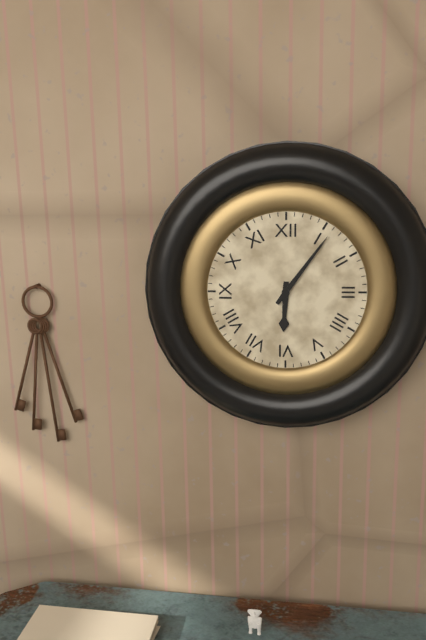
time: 6:06
